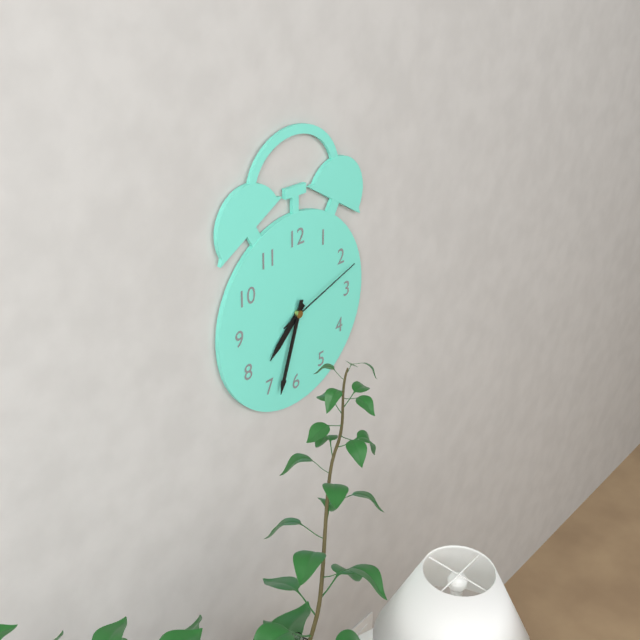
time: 7:33:12
